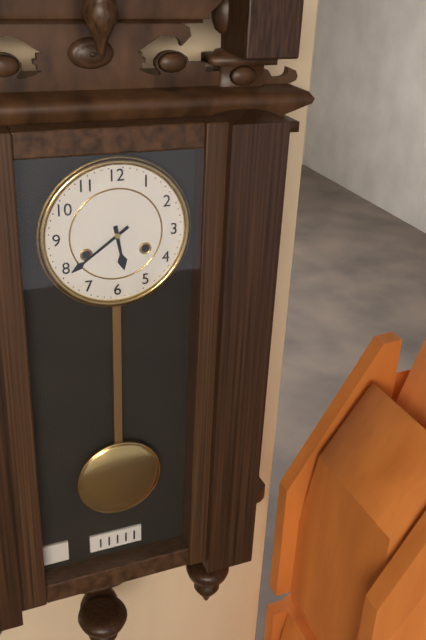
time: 5:39
